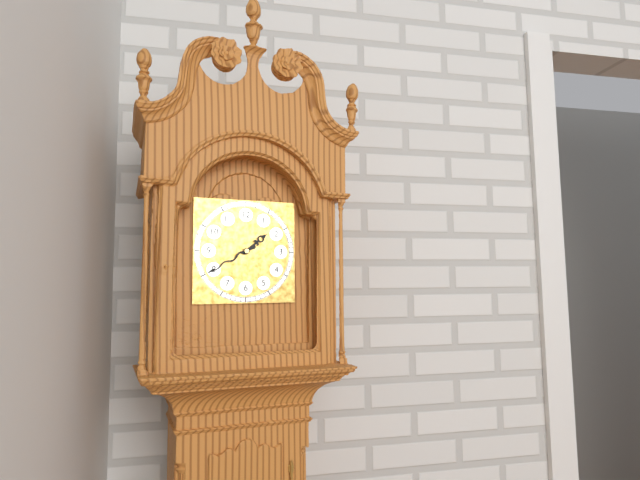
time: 1:40
